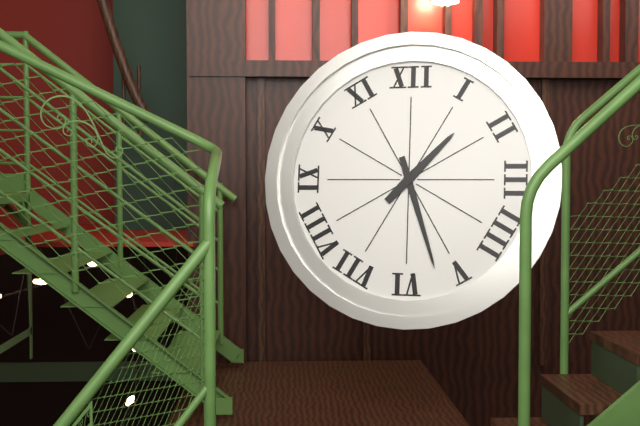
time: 1:27
